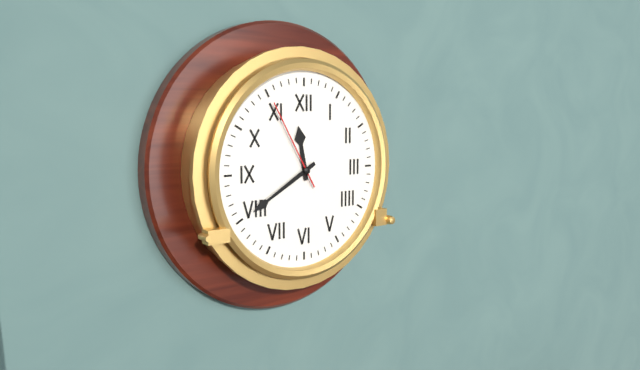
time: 11:40:55
